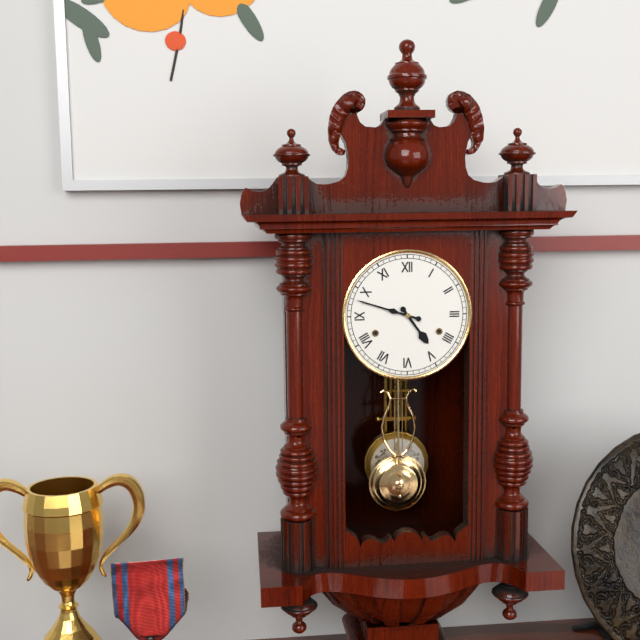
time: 4:48
